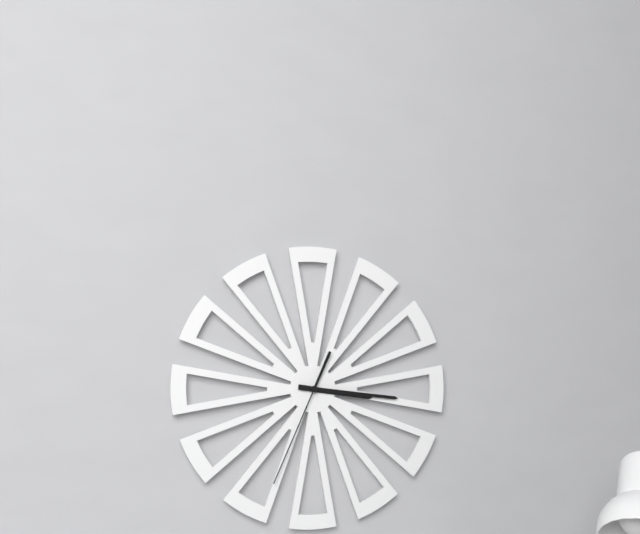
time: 3:16:34
